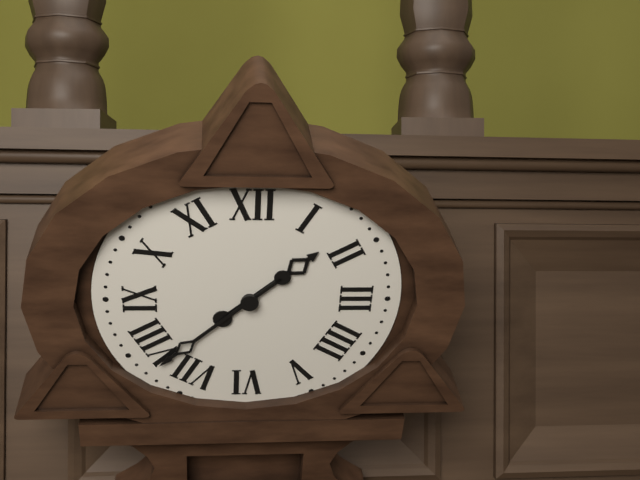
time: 1:38
